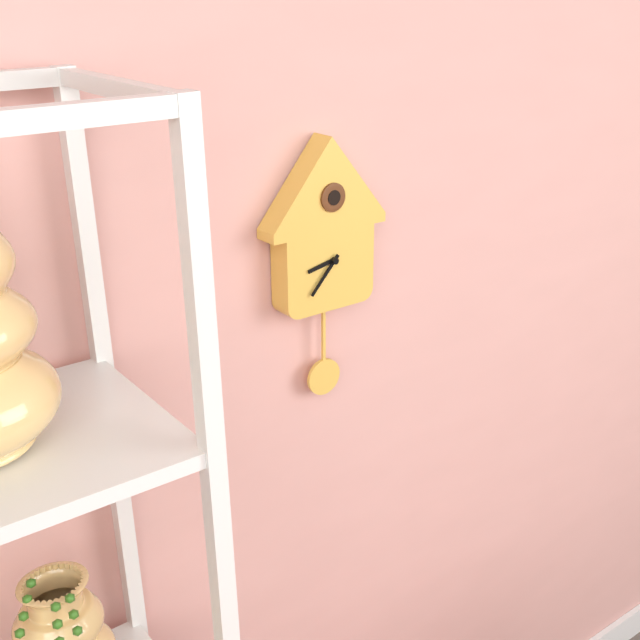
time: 8:37
